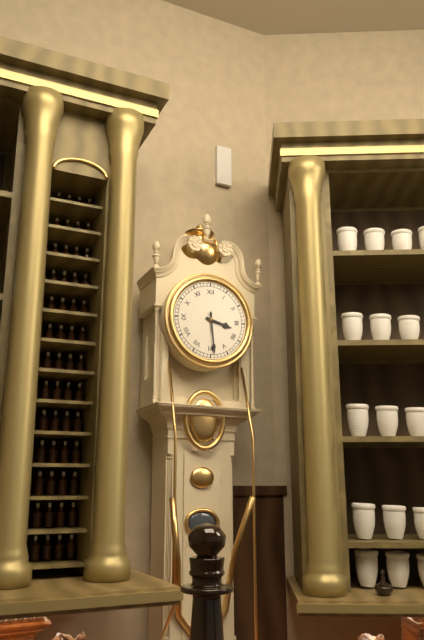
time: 3:29
